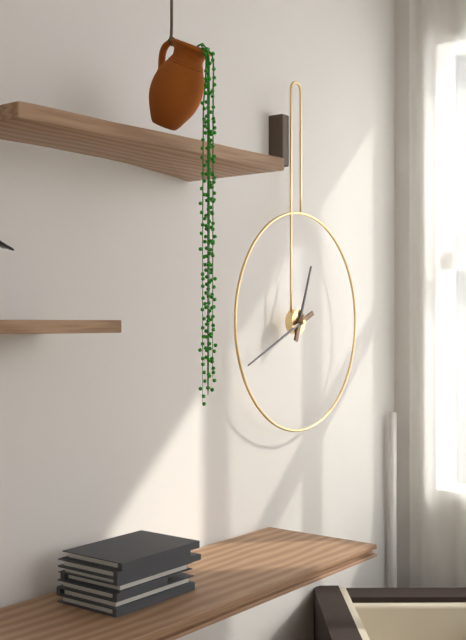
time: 12:41
